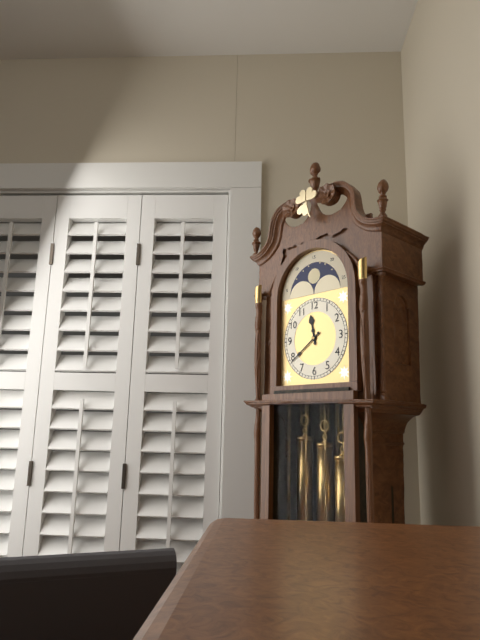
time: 11:39
